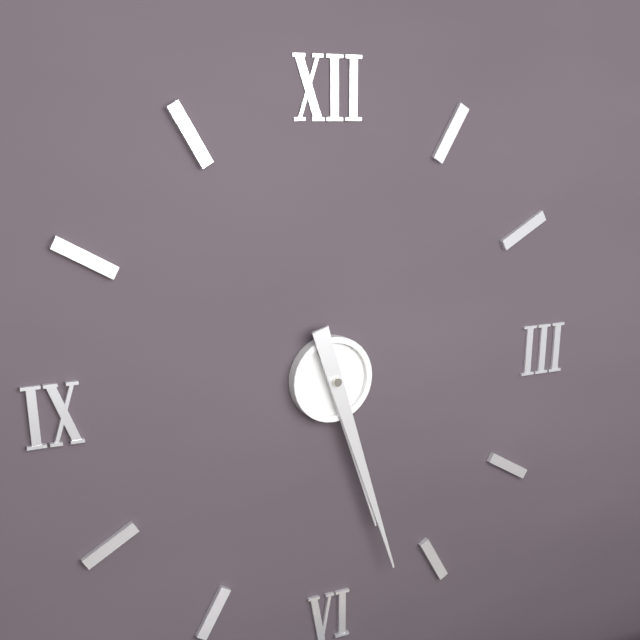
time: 5:27
